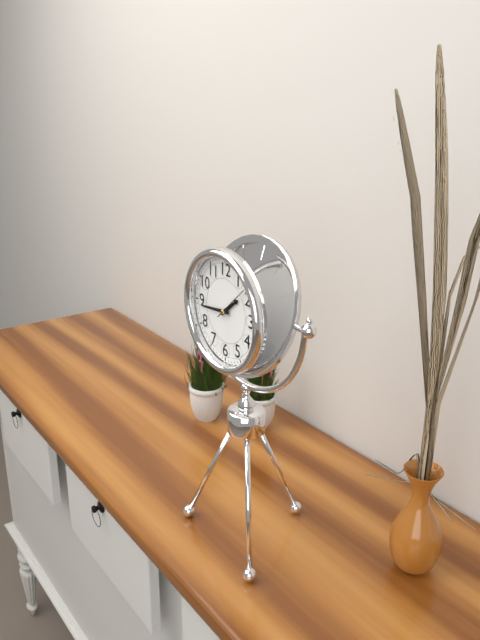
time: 1:44
